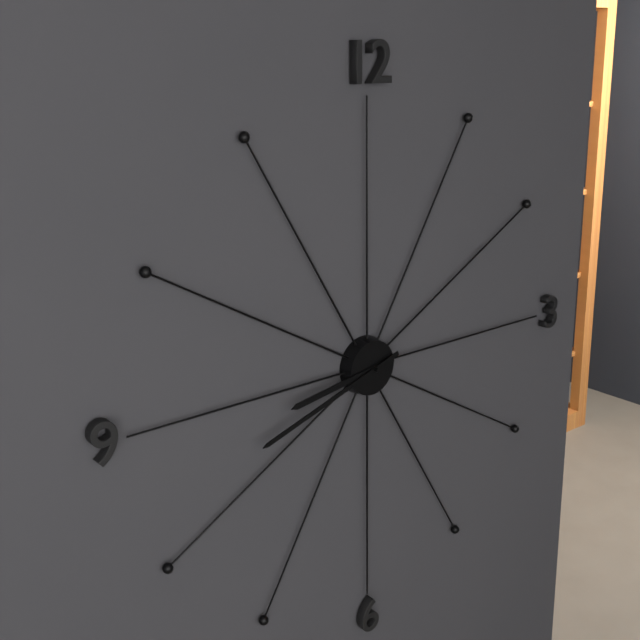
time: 8:42
